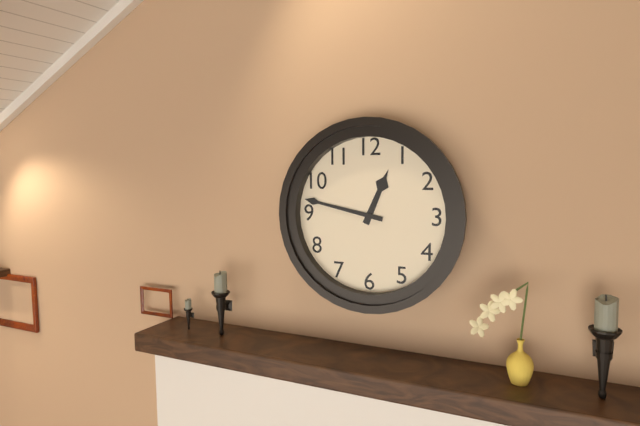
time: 12:47
